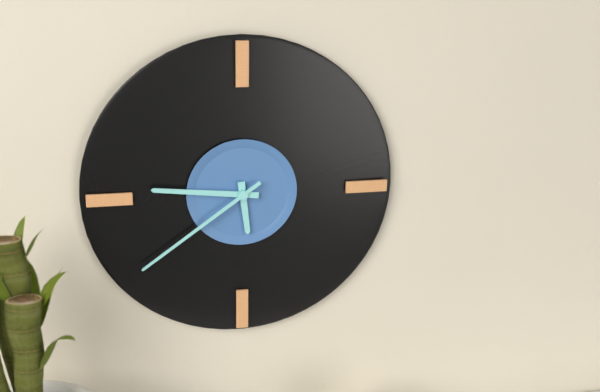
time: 5:46:39
